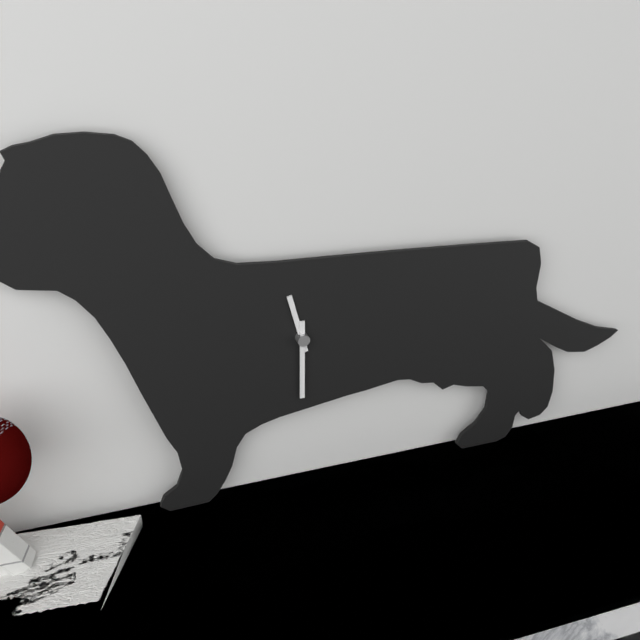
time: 11:30
